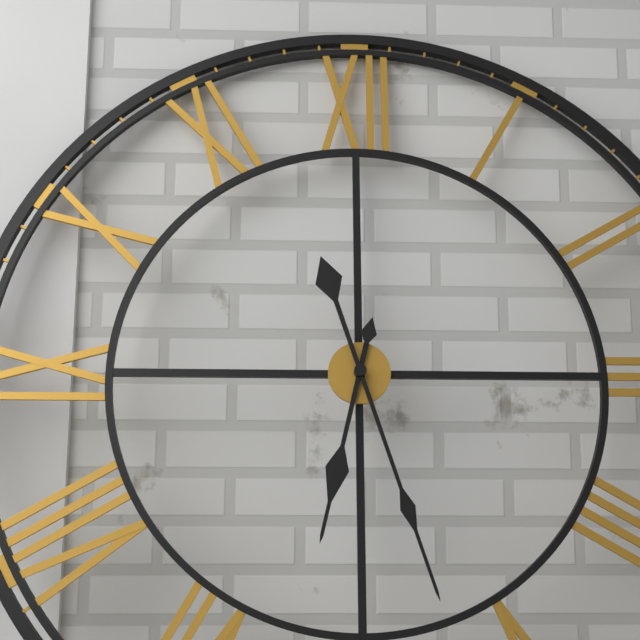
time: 6:27
